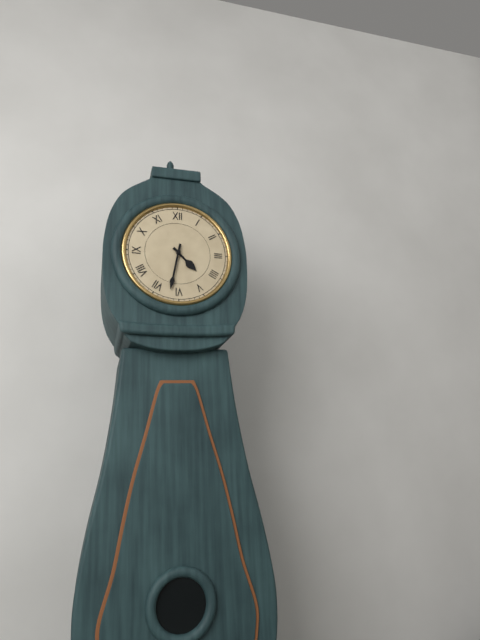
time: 4:32
